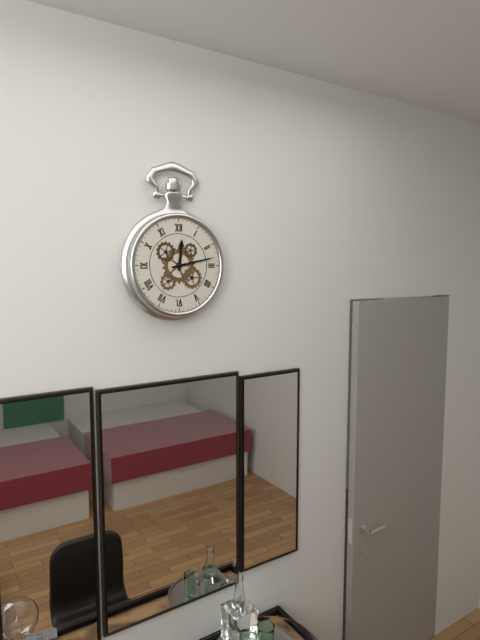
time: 12:13
